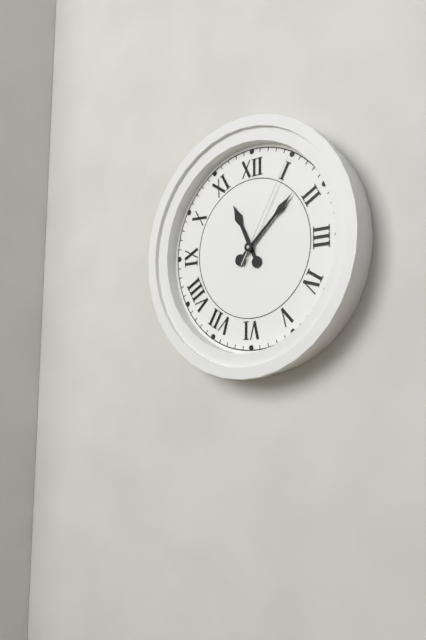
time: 11:08:05
